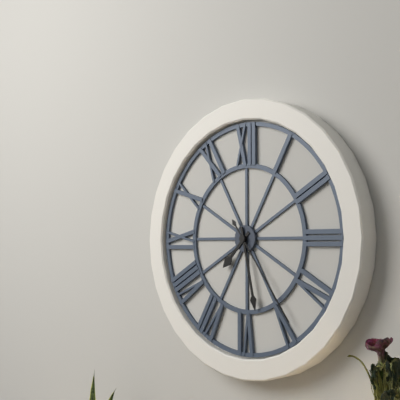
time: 7:28:24
